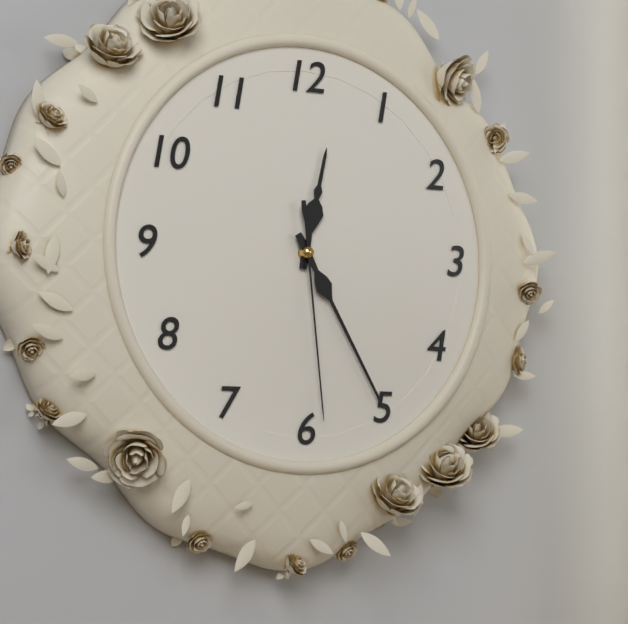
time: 12:25:29
